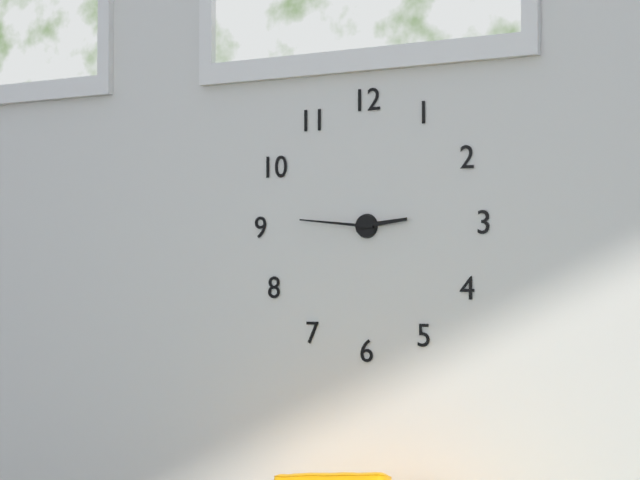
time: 2:46
